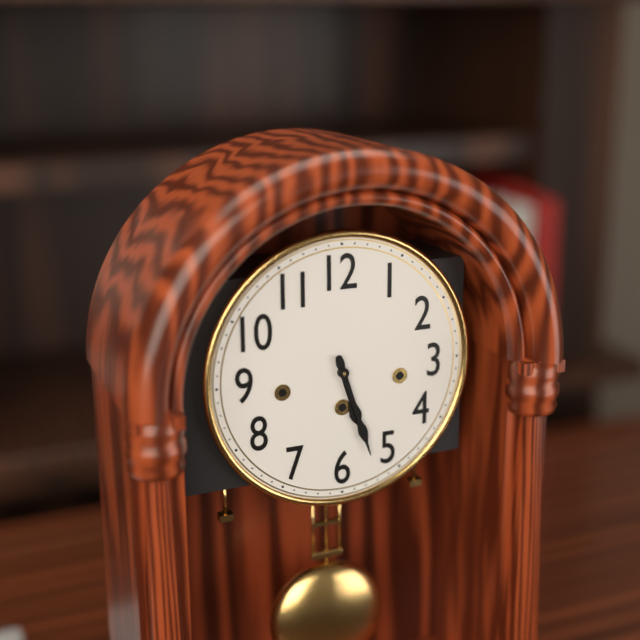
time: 5:27
